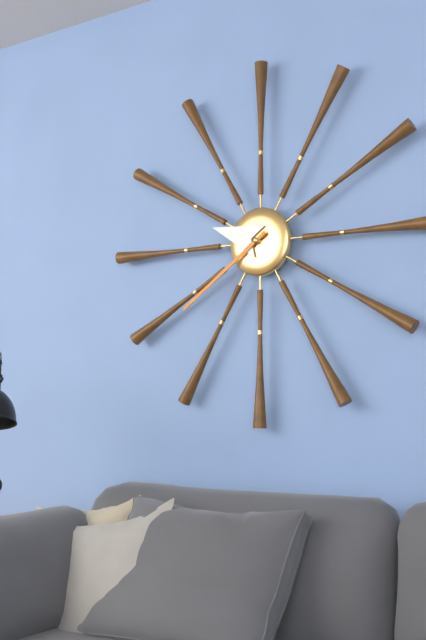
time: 9:39
